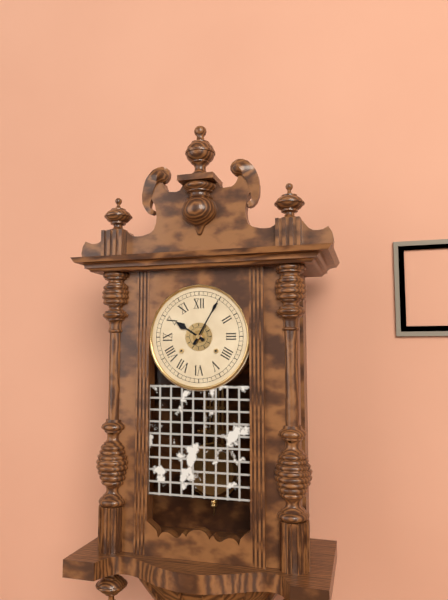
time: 10:05
